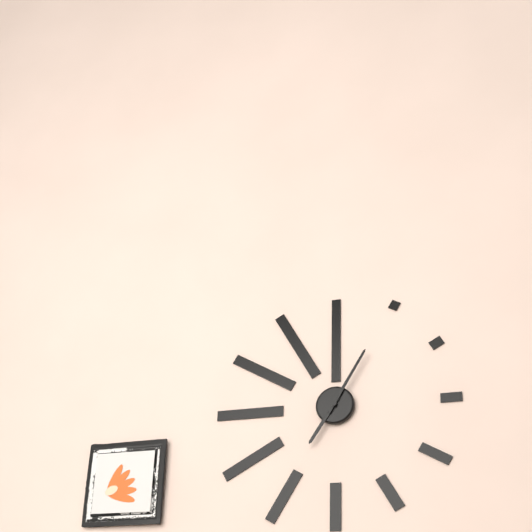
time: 7:05
